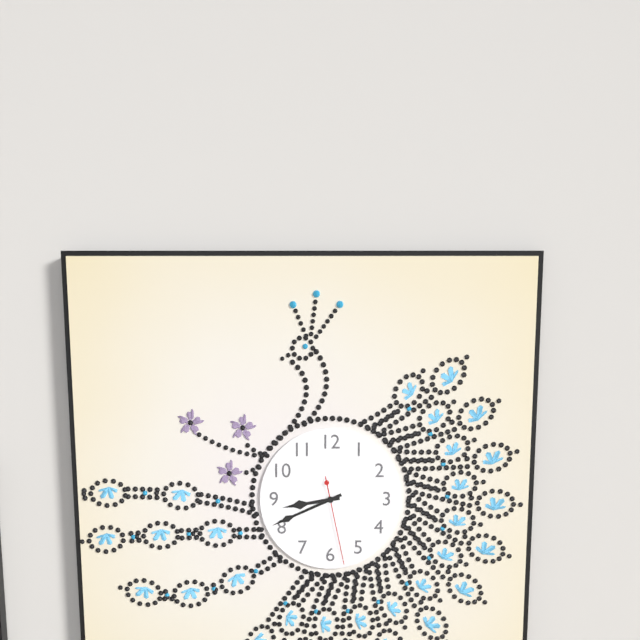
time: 8:41:28
